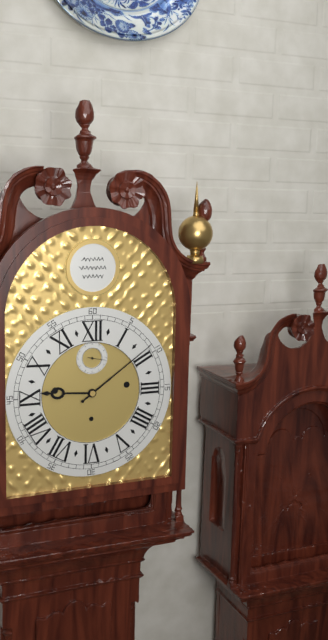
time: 9:09
